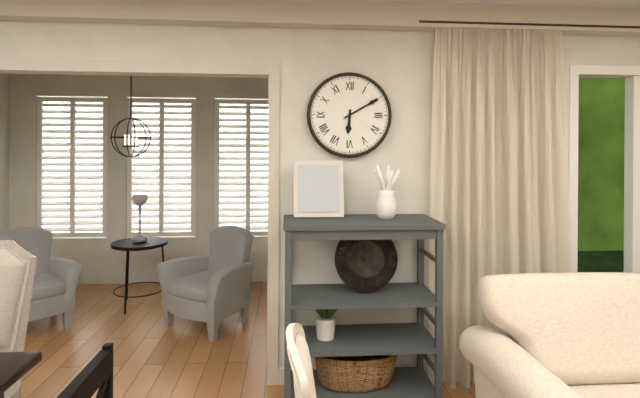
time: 6:10
